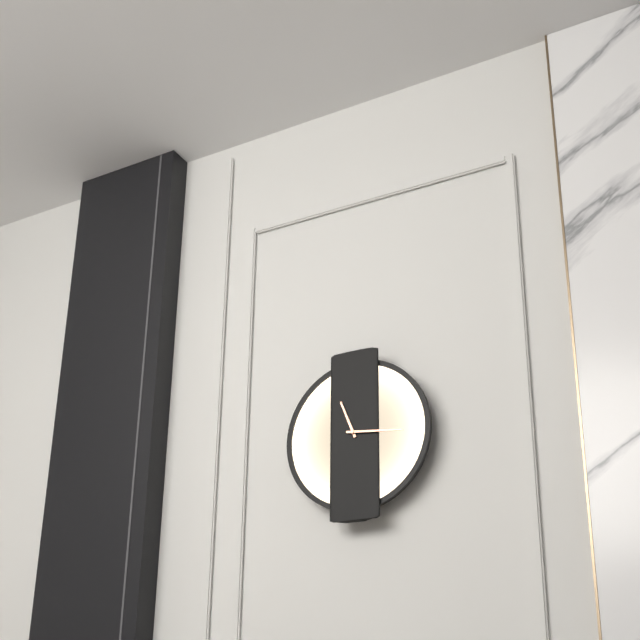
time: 11:16
